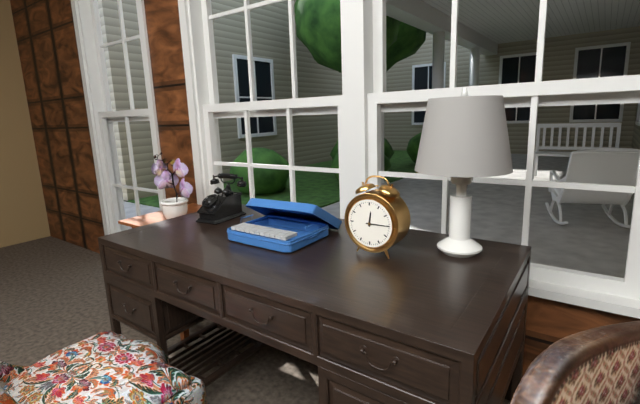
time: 12:15
